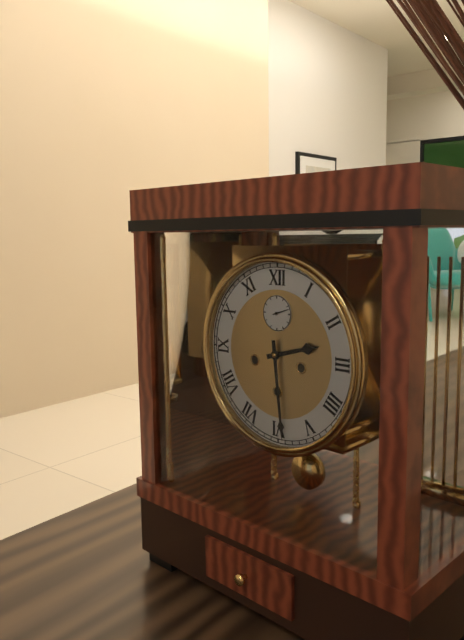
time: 2:29
